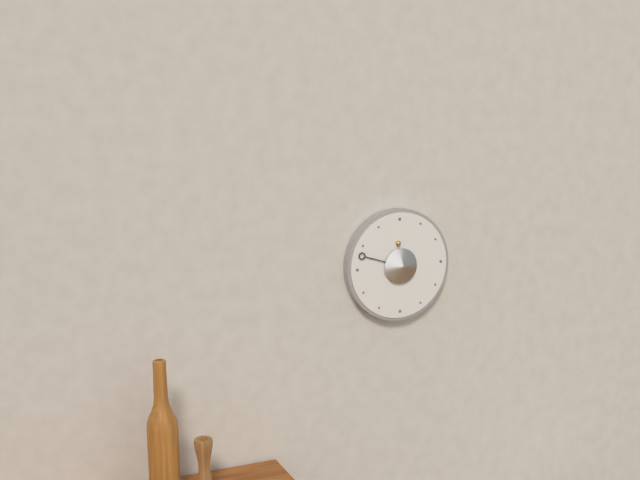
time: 11:48
